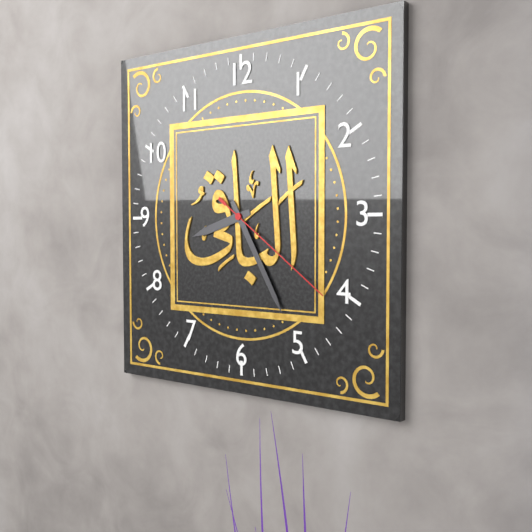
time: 8:25:21
